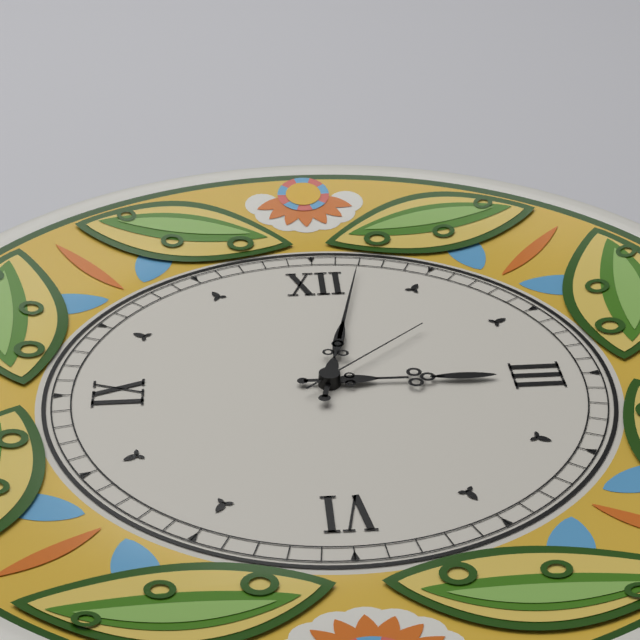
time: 3:02:08
